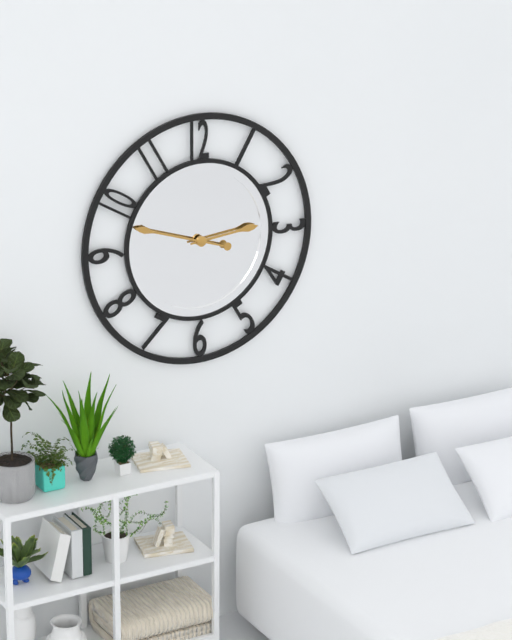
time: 2:48
